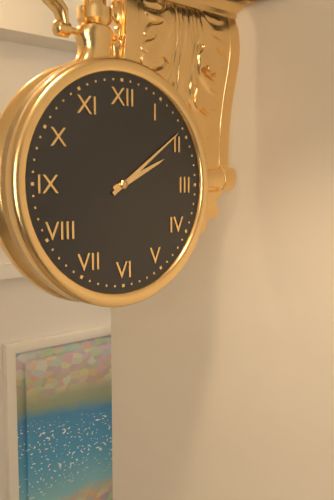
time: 2:09
